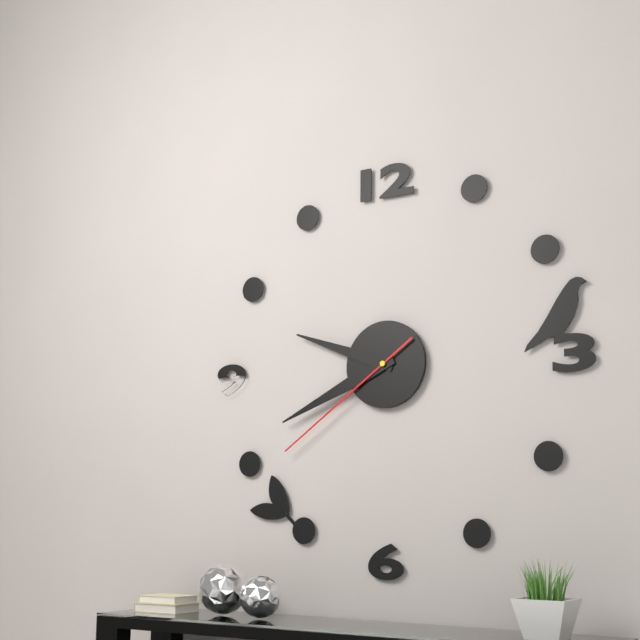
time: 9:41:39
